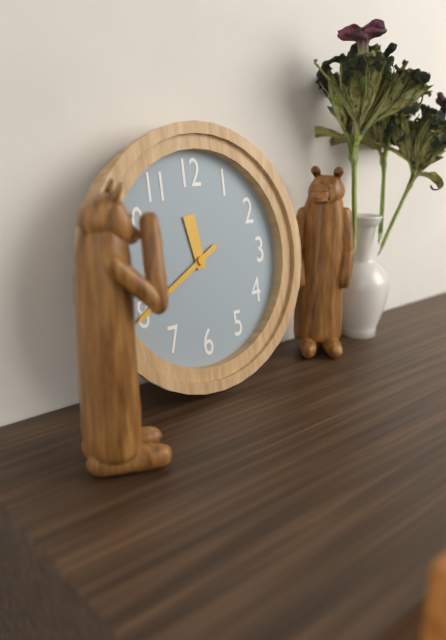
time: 11:40
